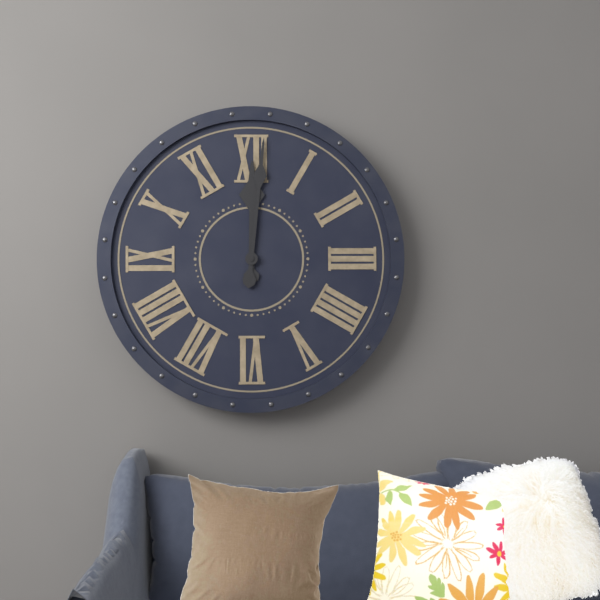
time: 12:01
